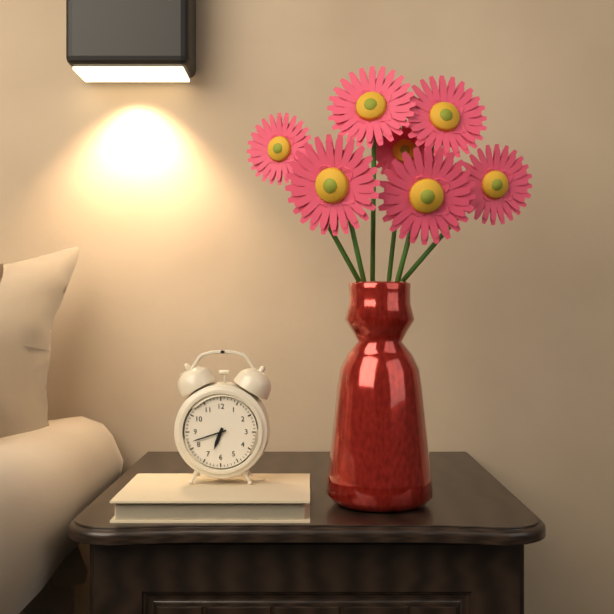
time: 6:42
